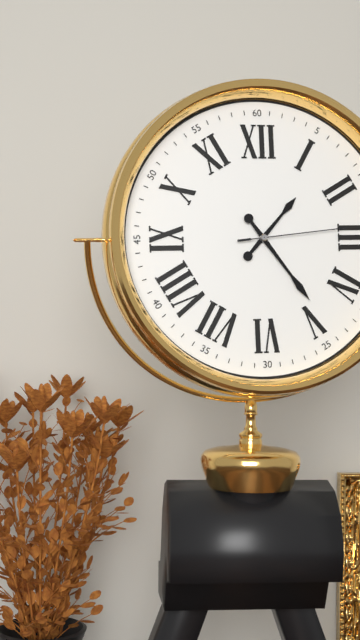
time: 1:24:14
